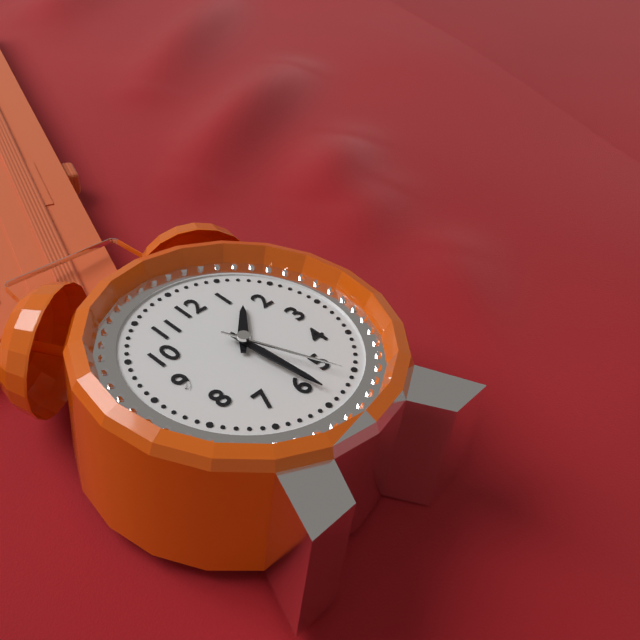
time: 1:29:26
